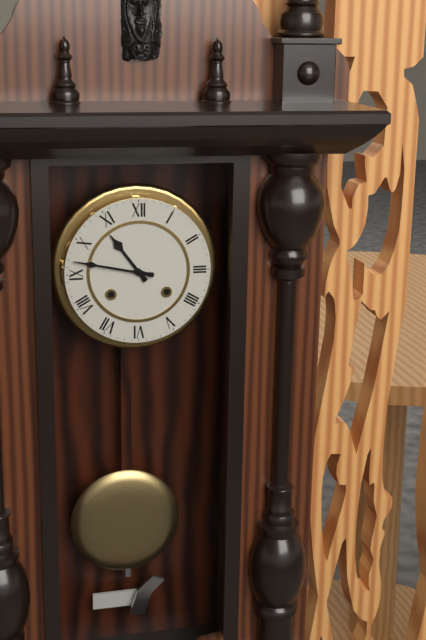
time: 10:47
